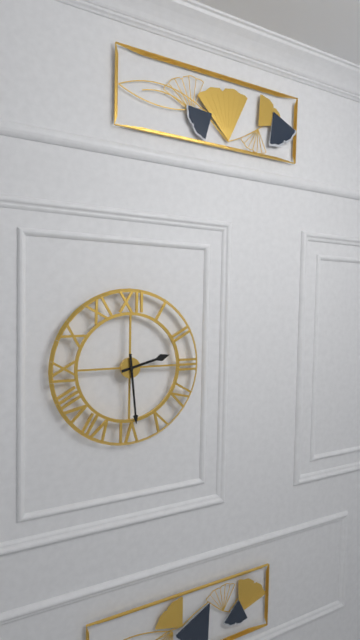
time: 2:29
